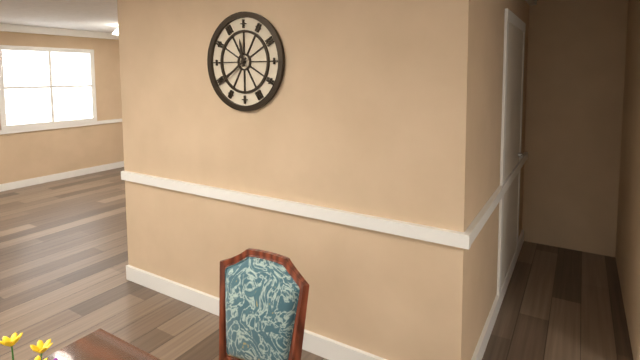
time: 11:39
